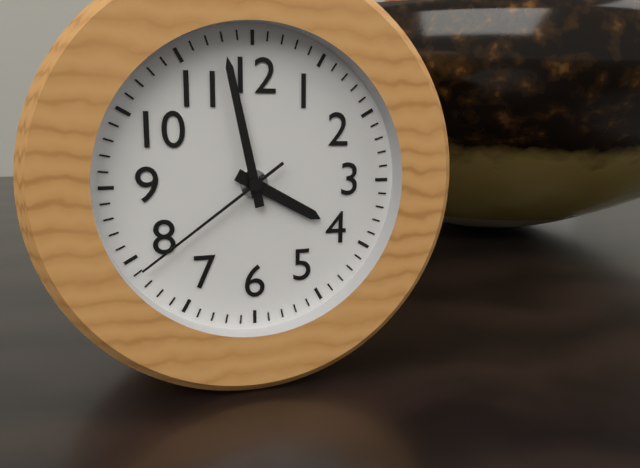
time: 3:58:39
